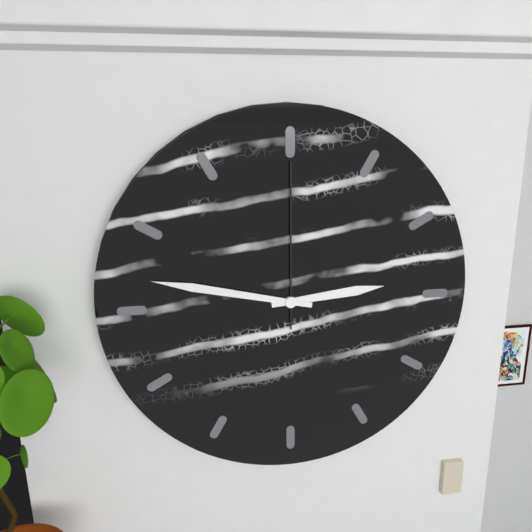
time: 2:47:00
